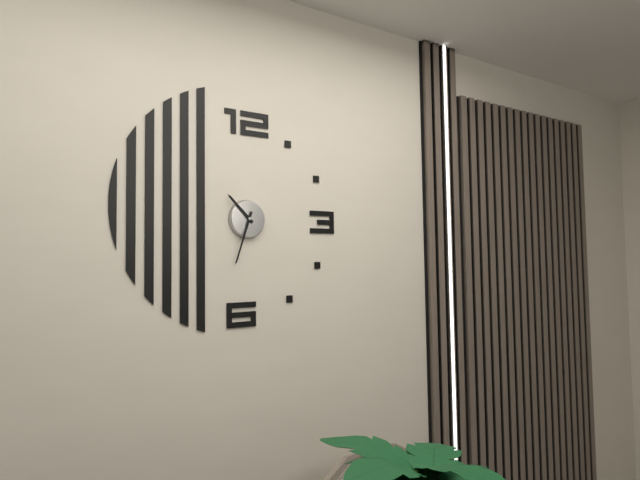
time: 10:33
